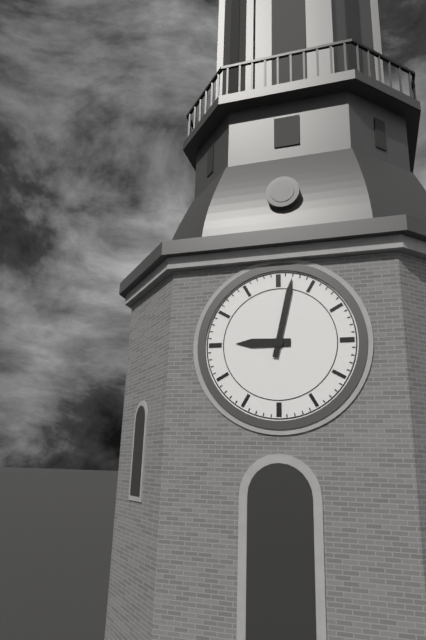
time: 9:02
